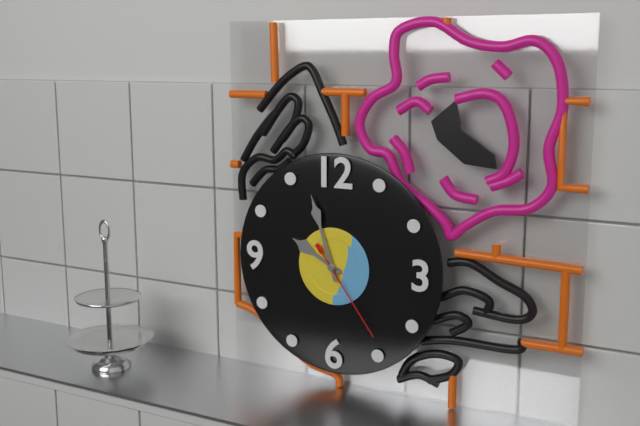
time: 9:57:24
